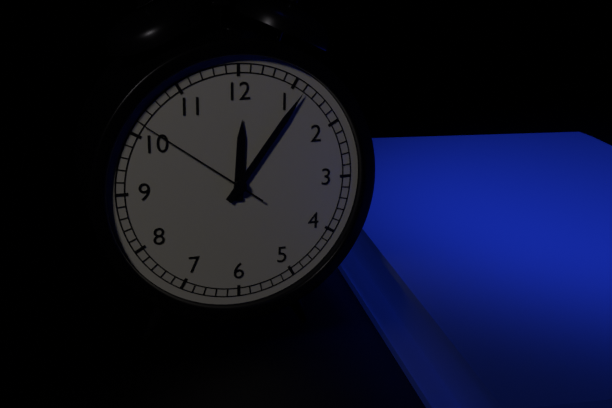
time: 12:06:51
